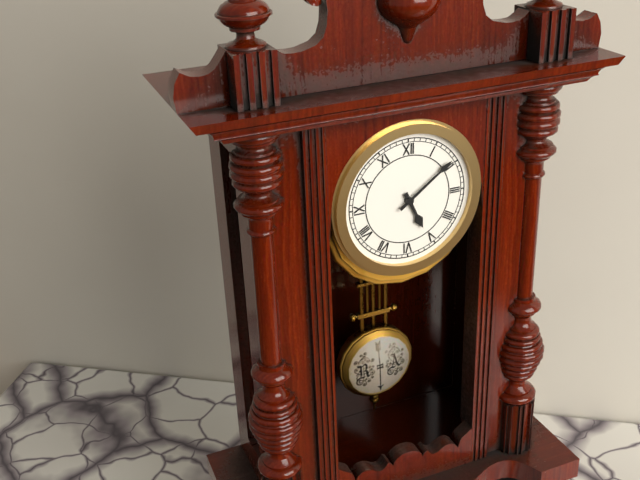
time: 5:09
